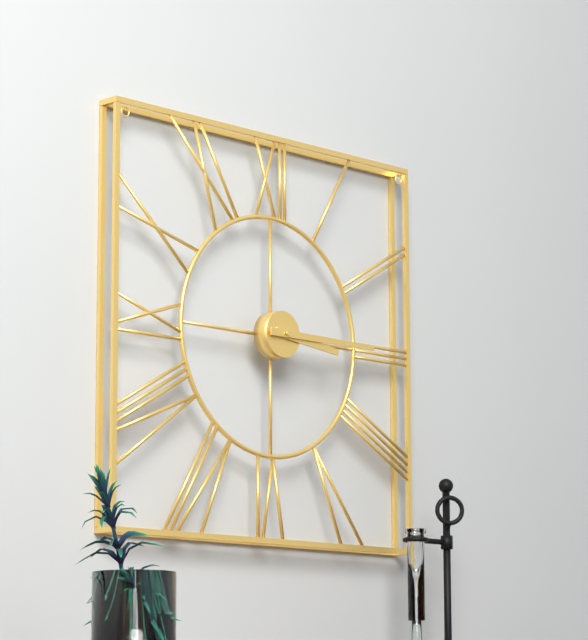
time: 3:15
